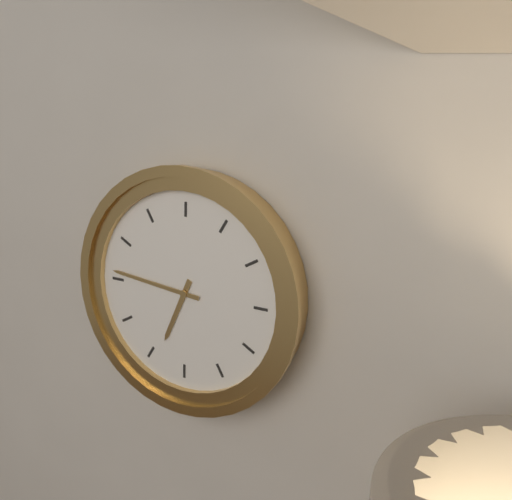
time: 6:46
